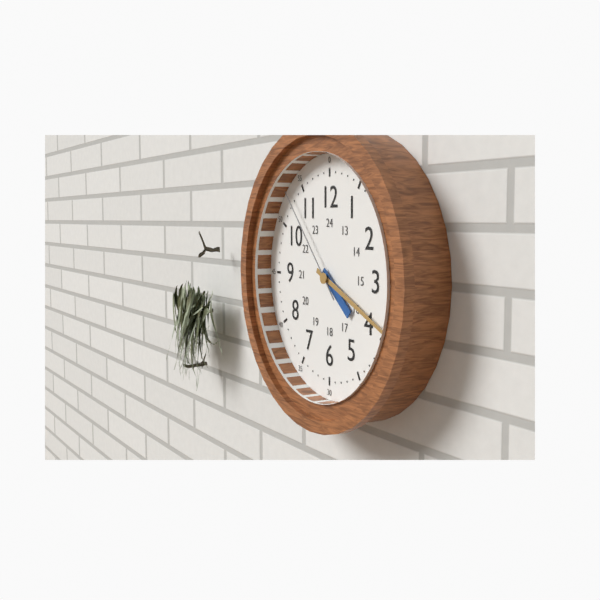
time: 4:19:53
